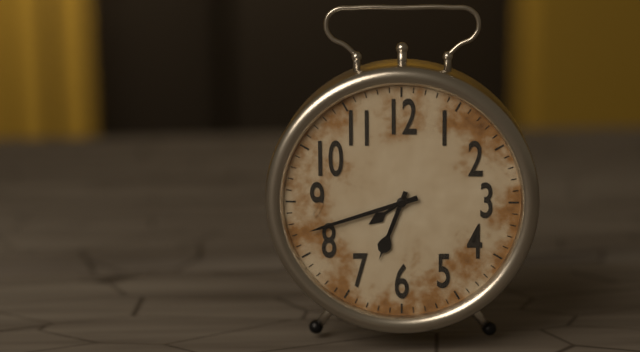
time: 6:42
